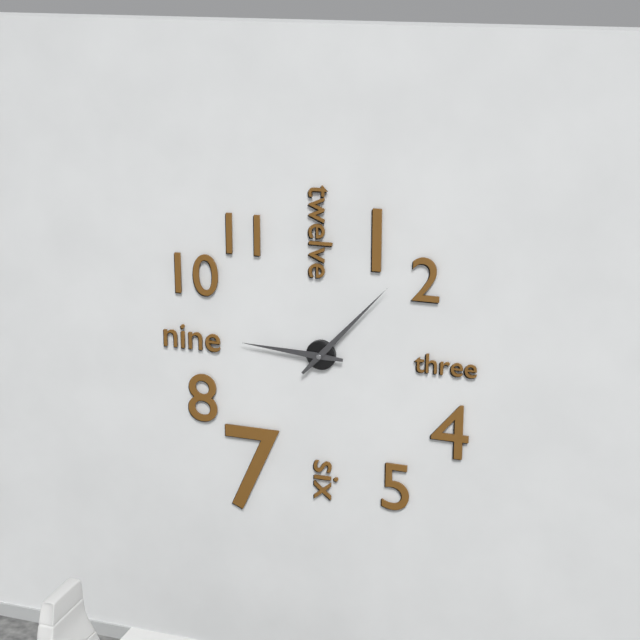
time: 9:07
